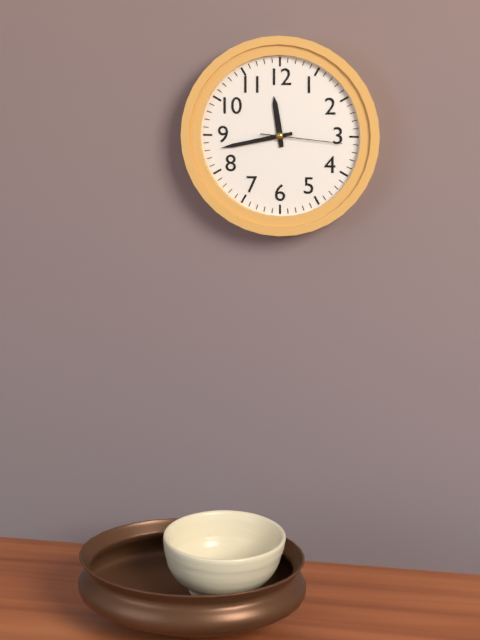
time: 11:43:16
